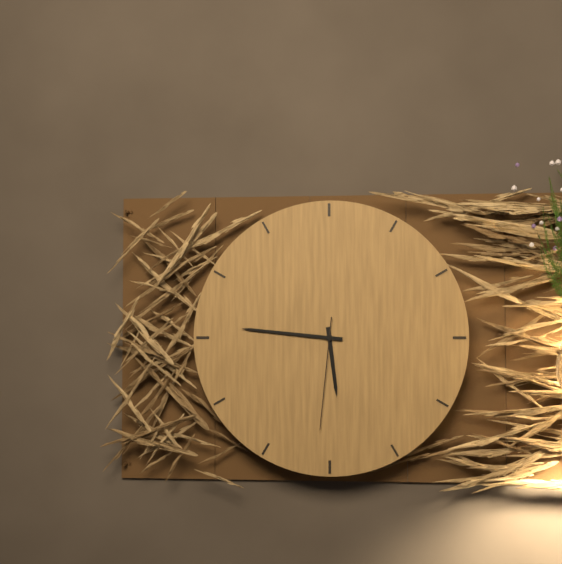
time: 5:46:31
